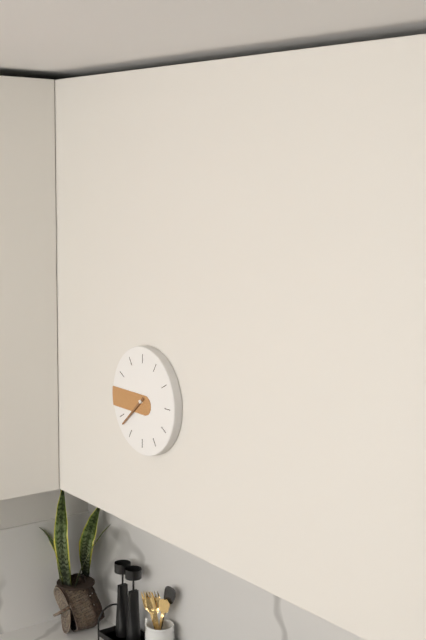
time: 7:38
